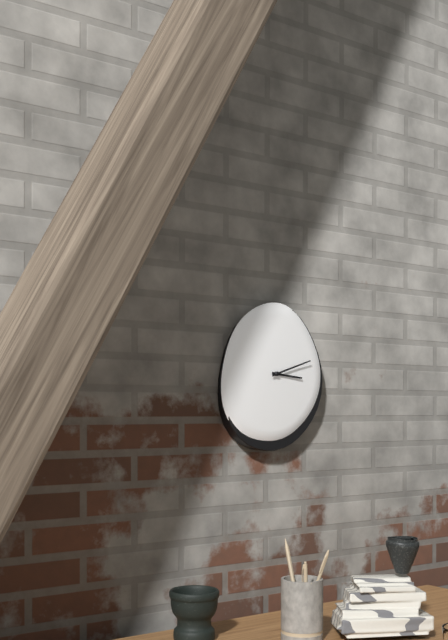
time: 3:12
